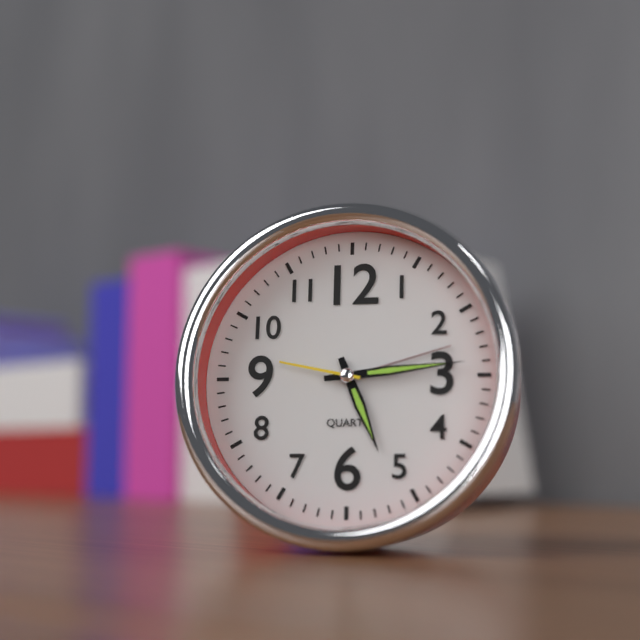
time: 5:14:47
